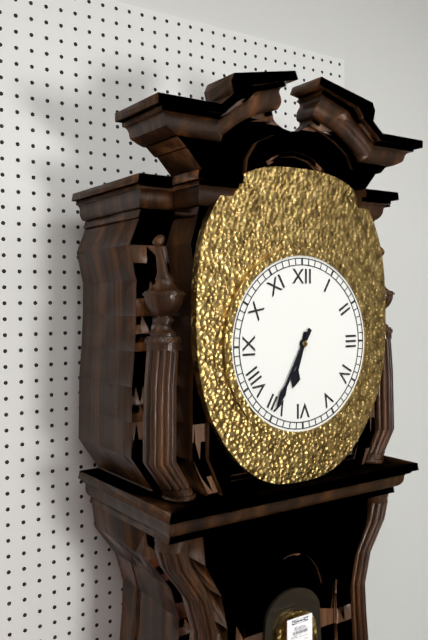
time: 6:35
